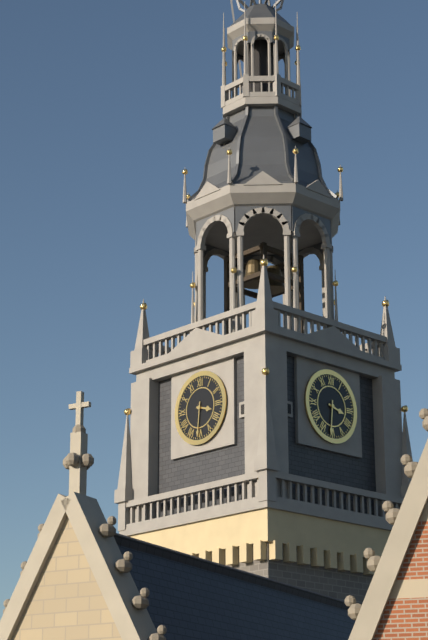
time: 3:31
